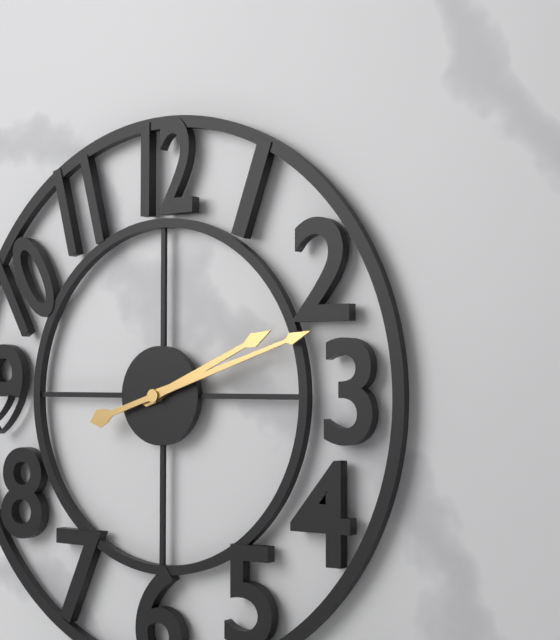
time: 2:12
